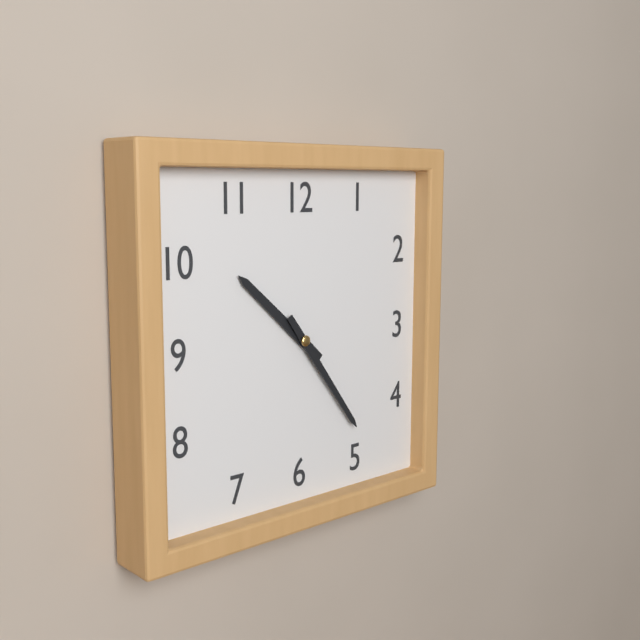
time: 10:24
